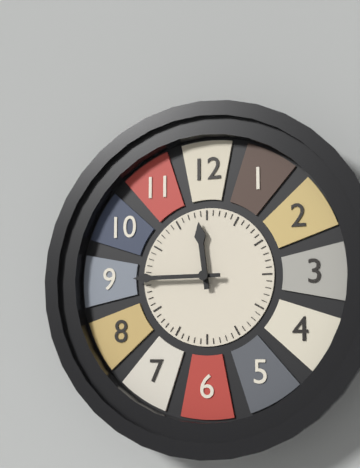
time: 11:45
